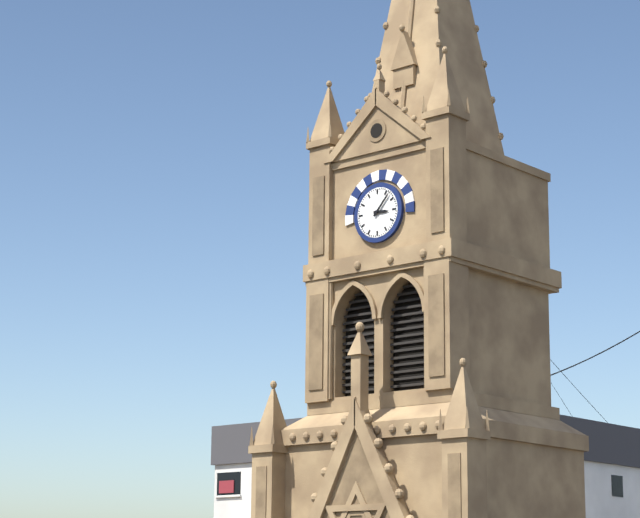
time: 3:07
